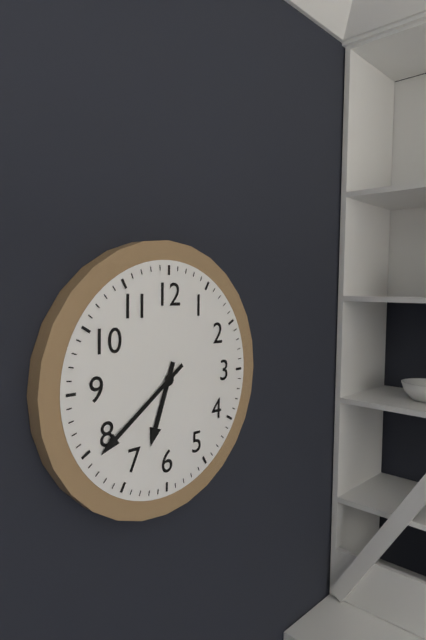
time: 6:39
